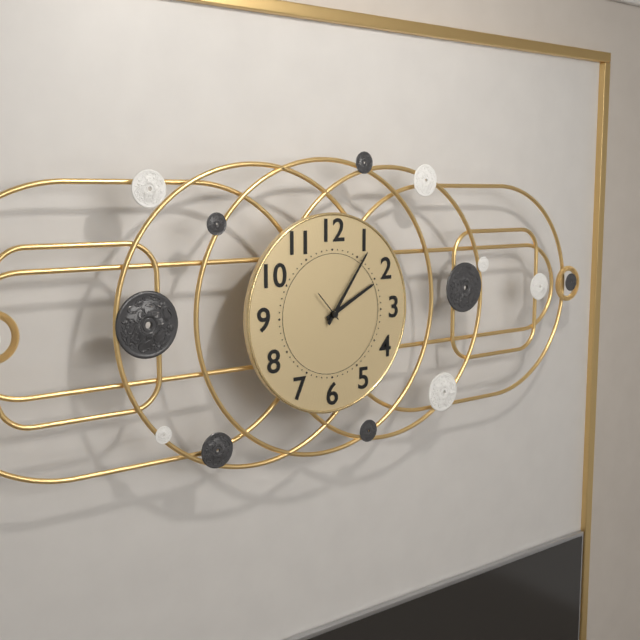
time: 2:06
